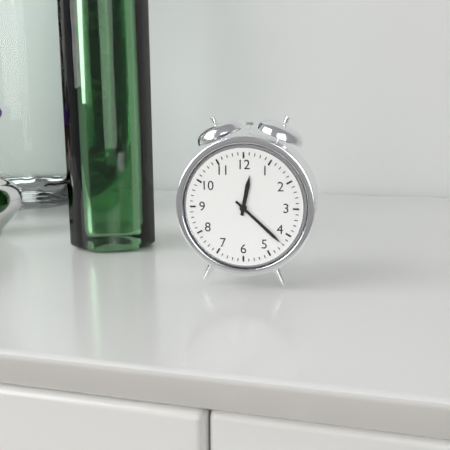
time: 12:22
